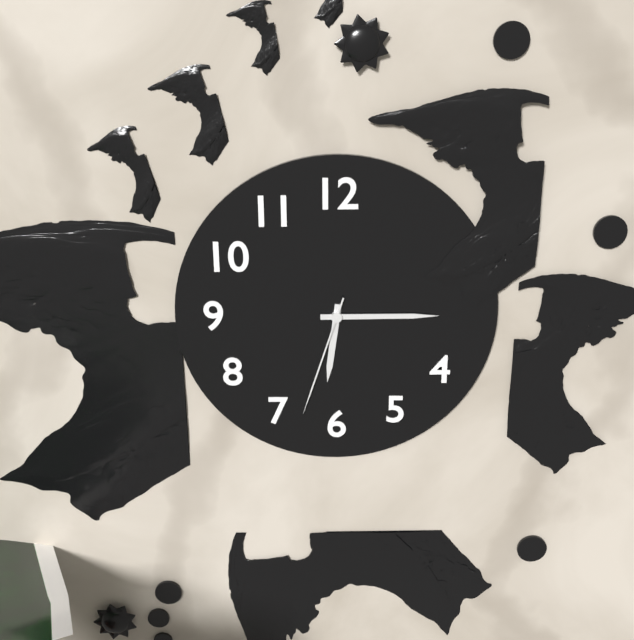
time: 6:15:33
